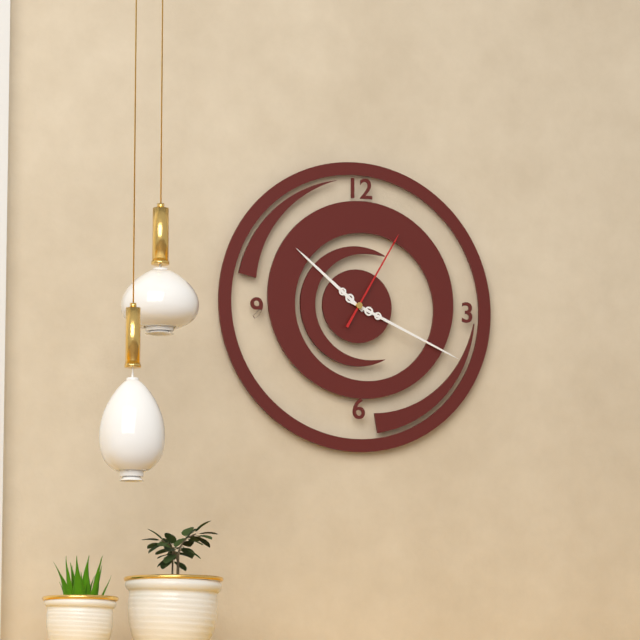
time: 10:19:05
